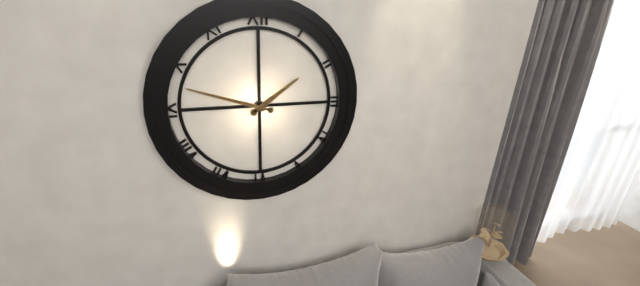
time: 1:48
